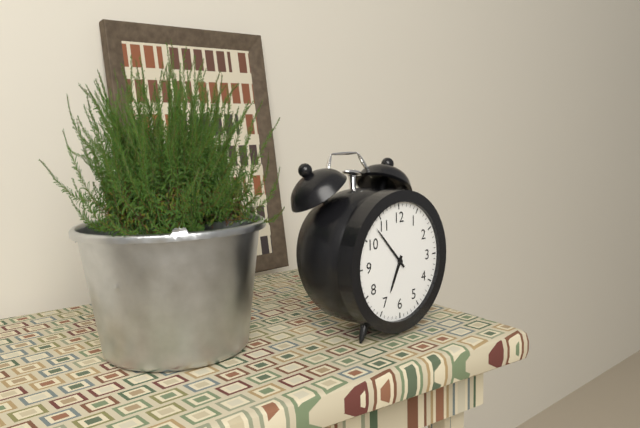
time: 6:53
